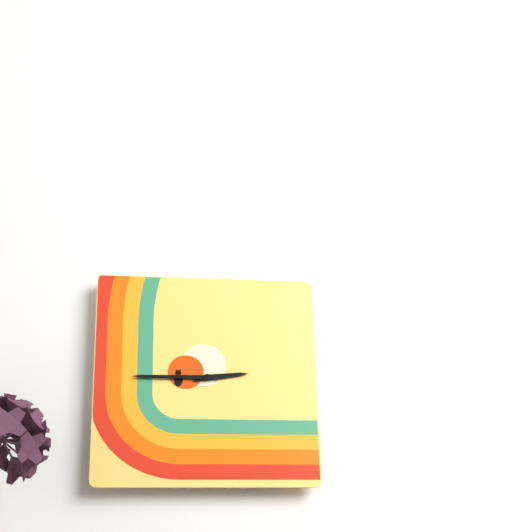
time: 2:45
